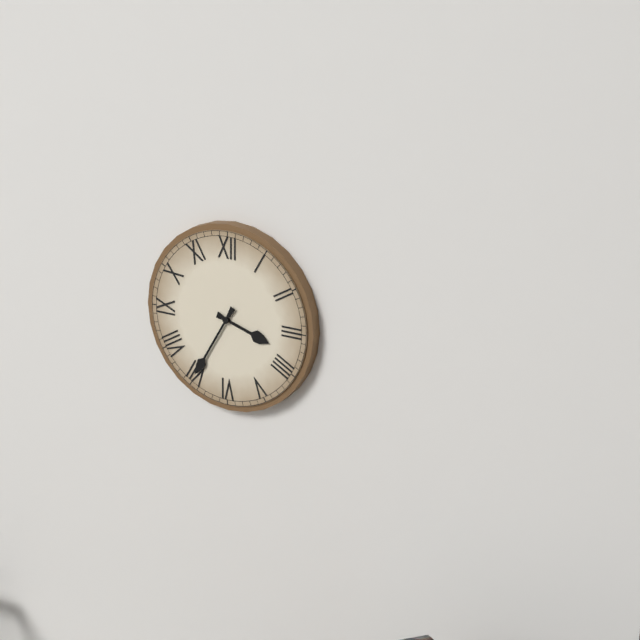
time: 3:35
